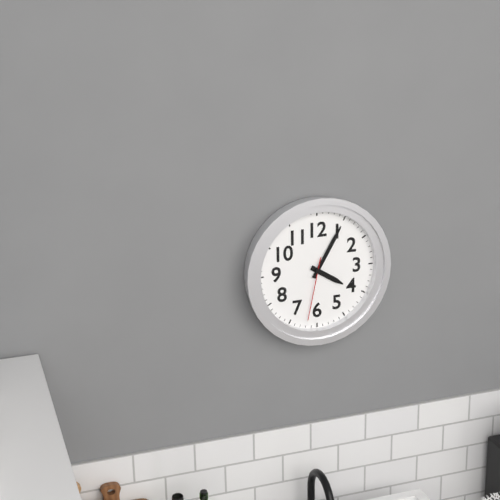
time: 4:05:32
